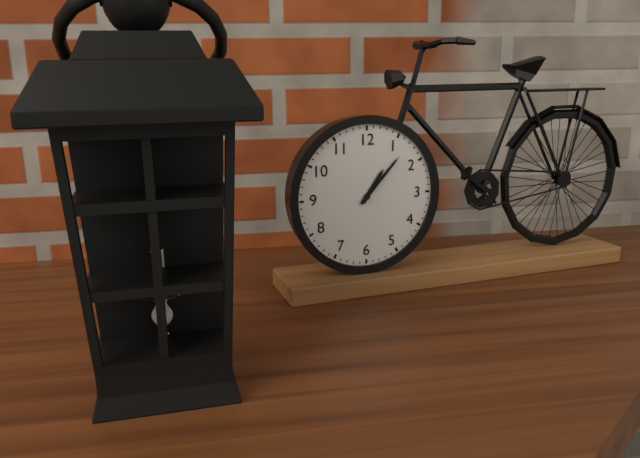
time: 1:07
